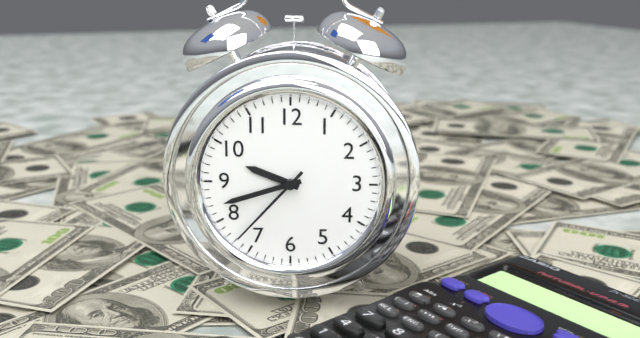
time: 9:42:37
